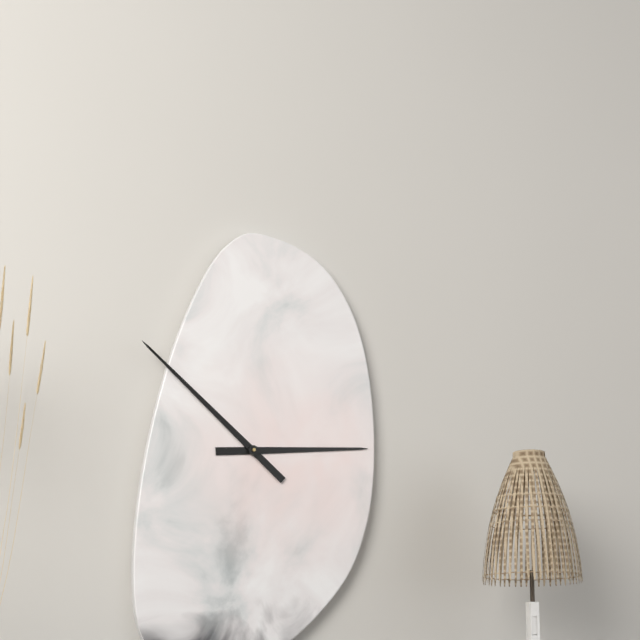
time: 2:52
